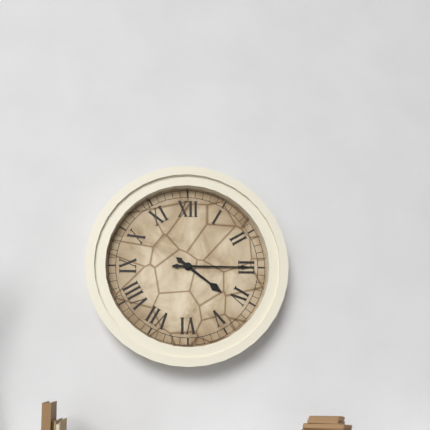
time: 4:15
